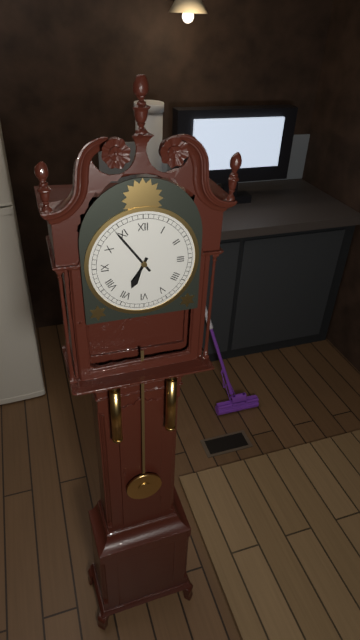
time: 6:54
